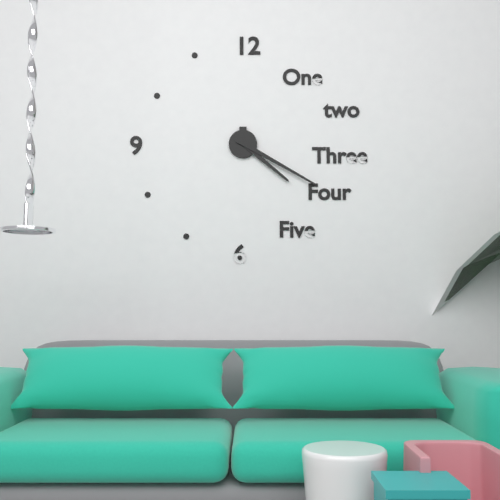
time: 4:20
